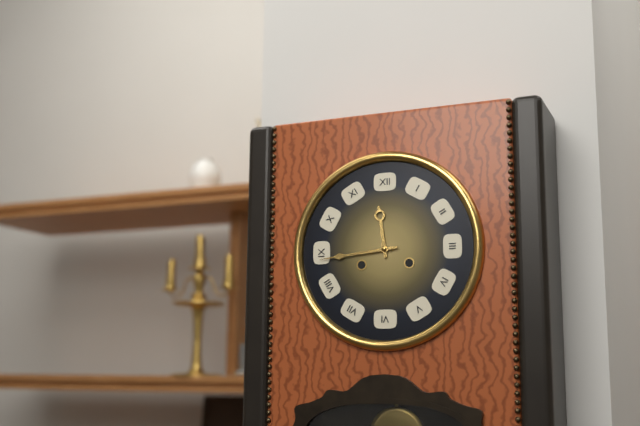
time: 11:44
